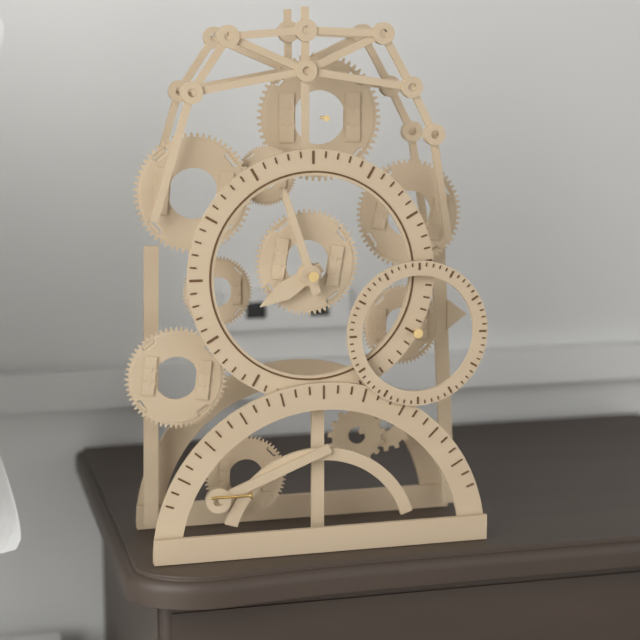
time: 7:57
